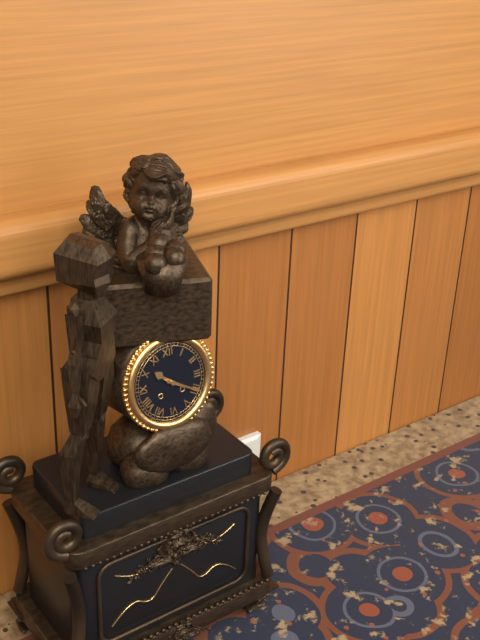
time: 10:20
